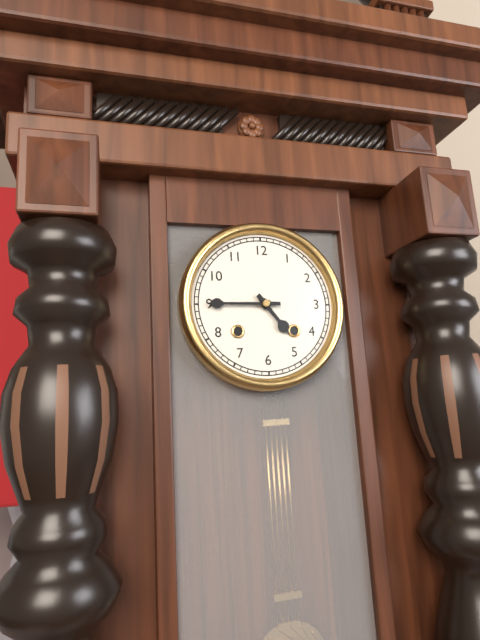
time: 4:45
